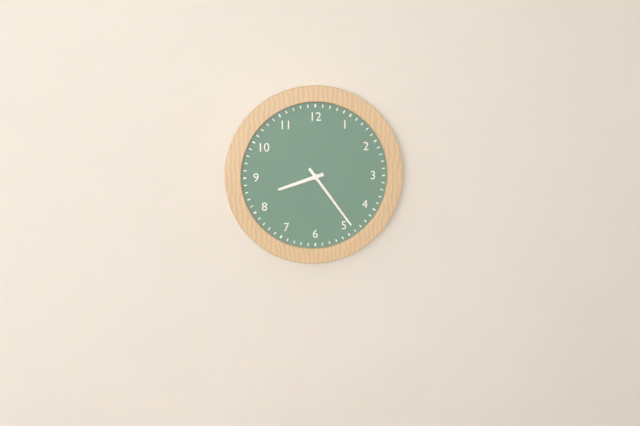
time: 8:24
